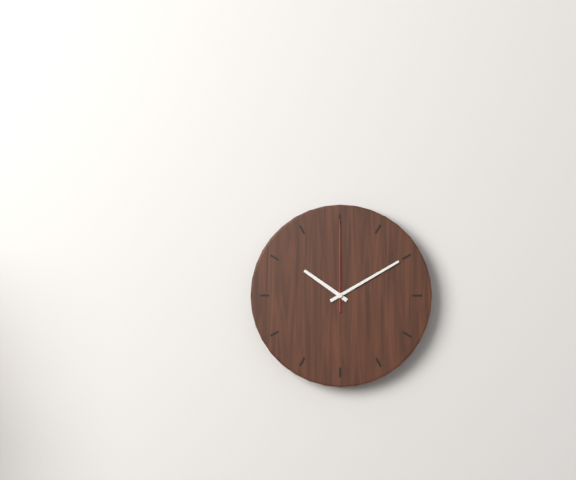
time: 10:10:00
